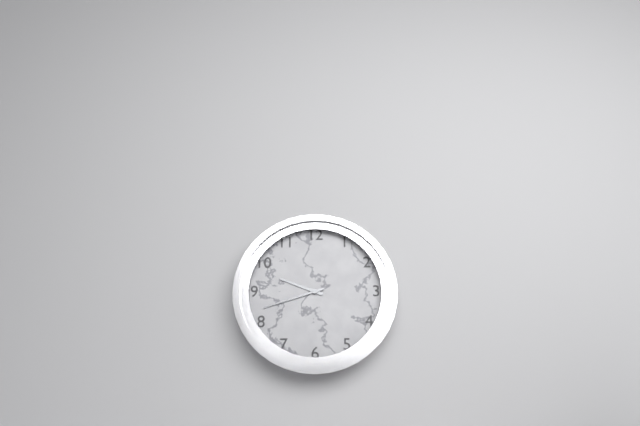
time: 9:42
